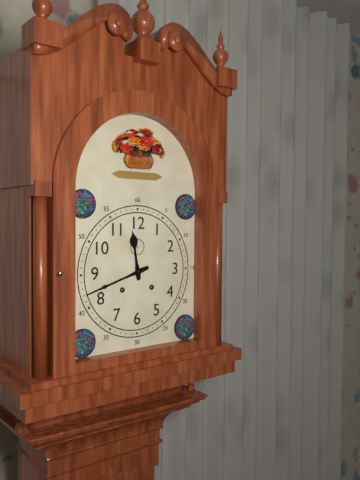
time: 11:42
